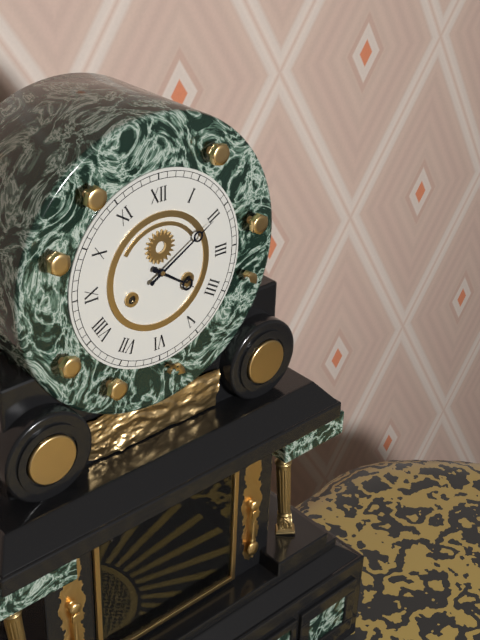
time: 4:10
